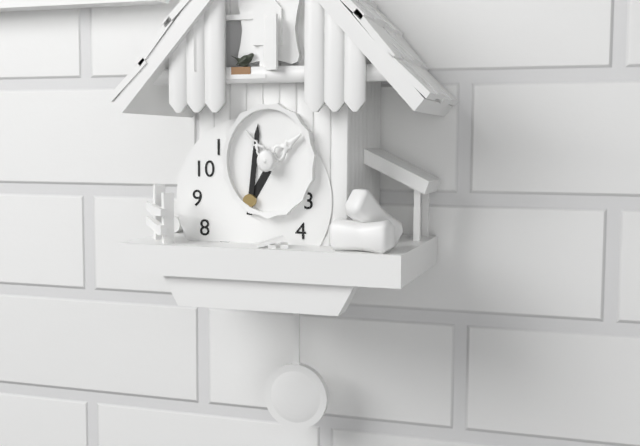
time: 1:01
